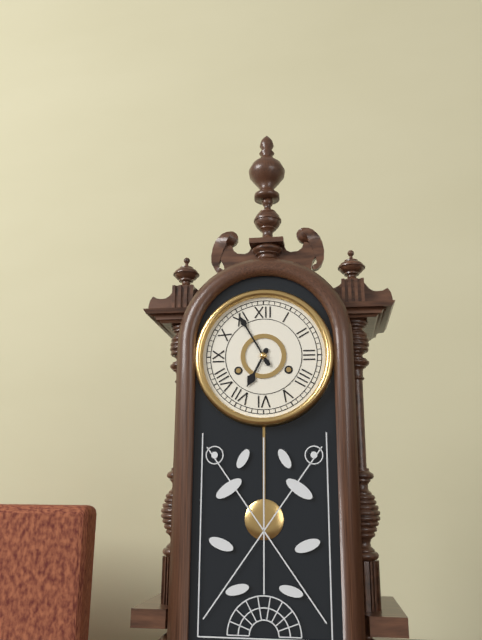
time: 6:55
